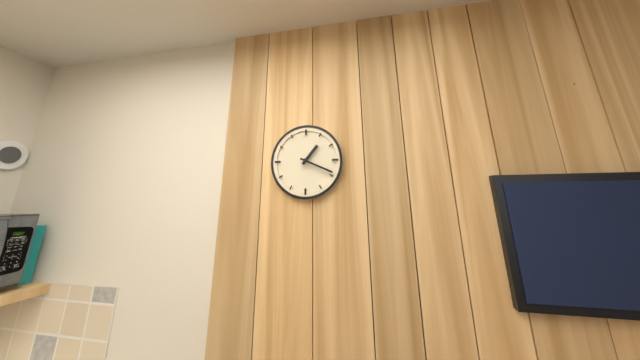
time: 1:19
